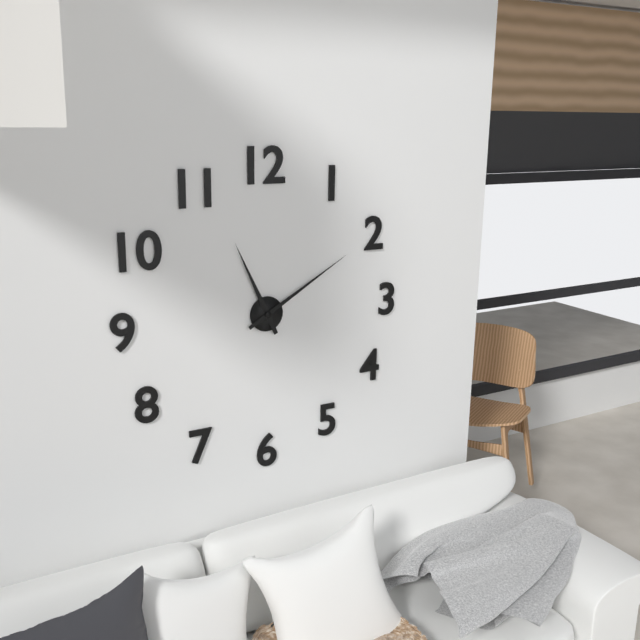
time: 11:10
